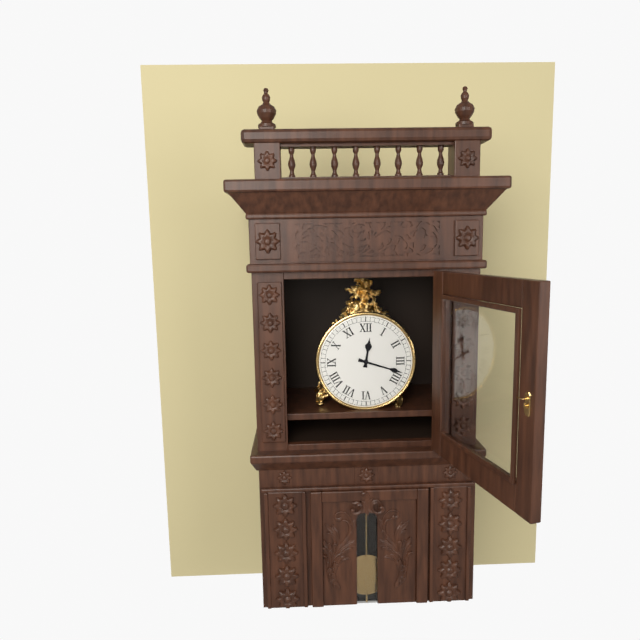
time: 12:18
